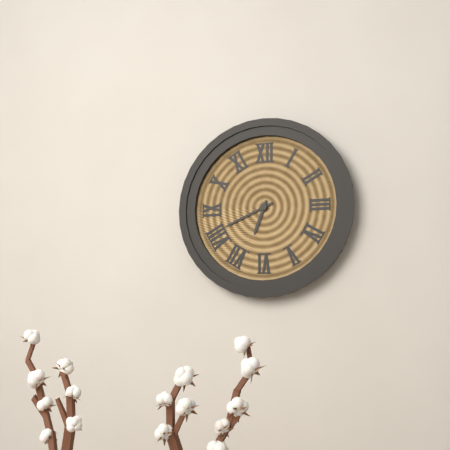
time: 6:41
